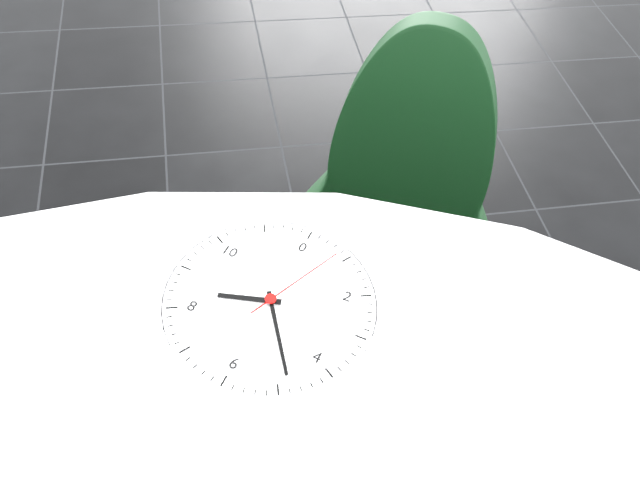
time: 8:24:04
